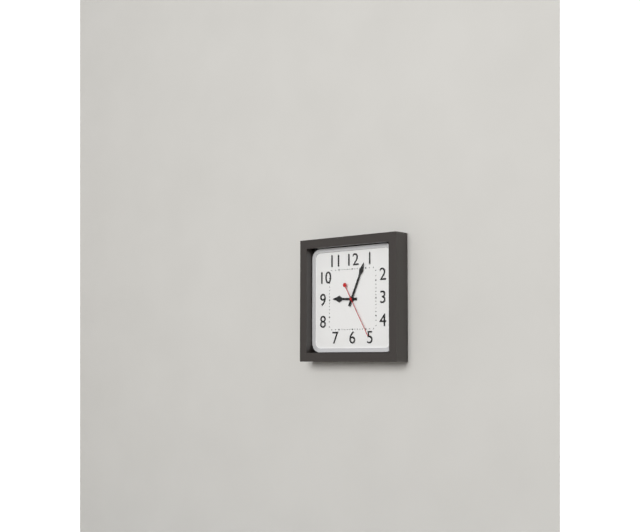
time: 9:04
